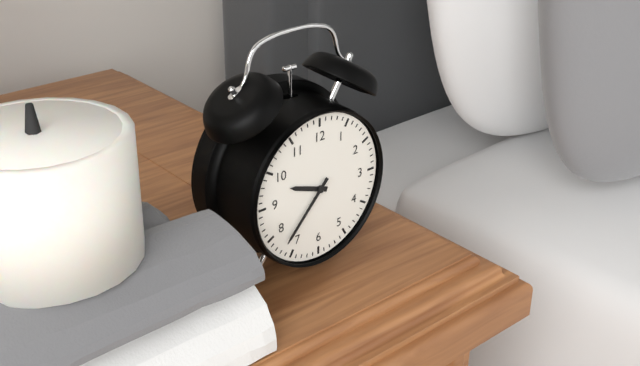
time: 9:37
